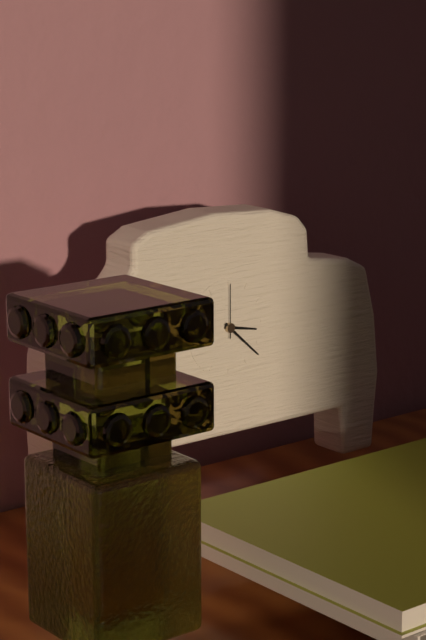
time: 3:22:00
